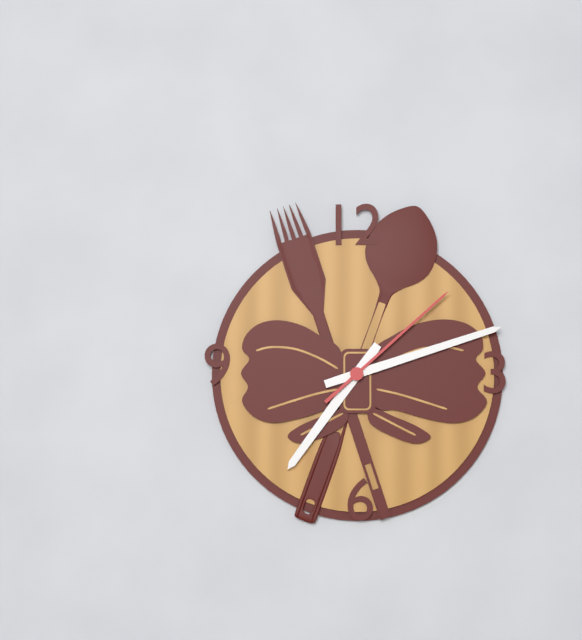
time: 7:12:08
